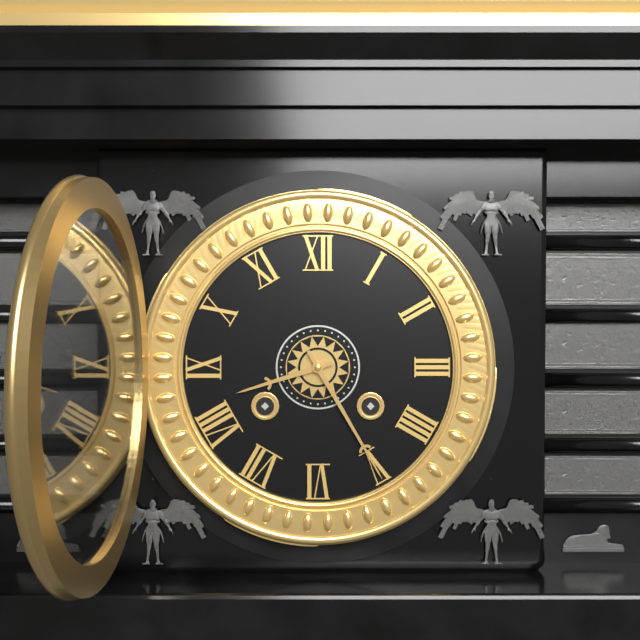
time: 8:25
